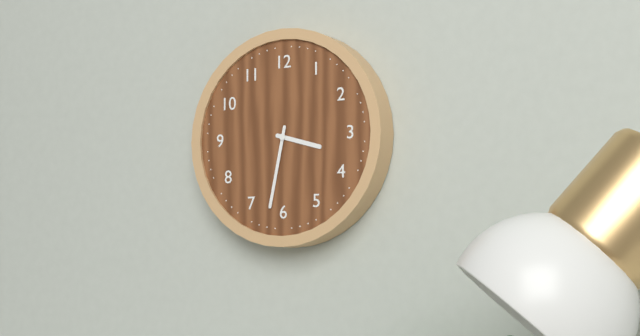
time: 3:32
